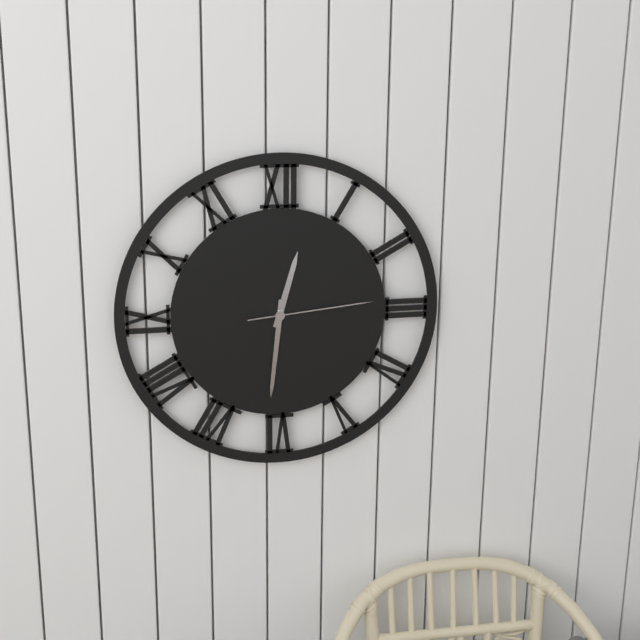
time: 12:31:14
